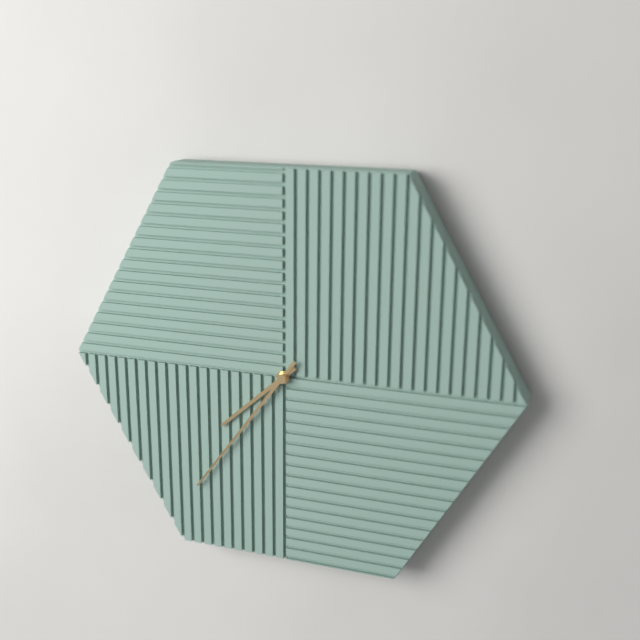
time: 7:36
